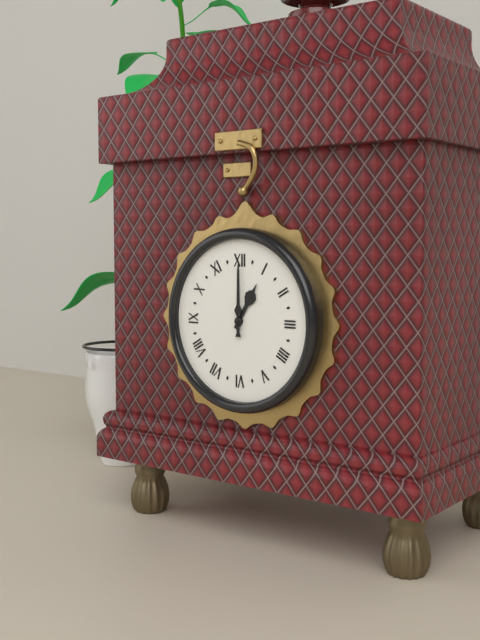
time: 1:00
